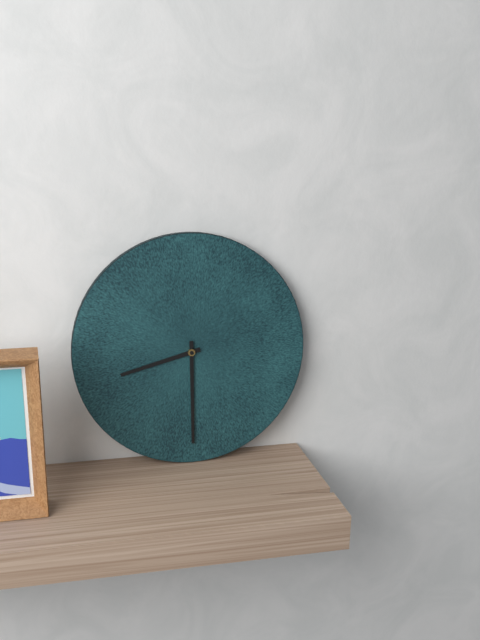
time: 8:30
